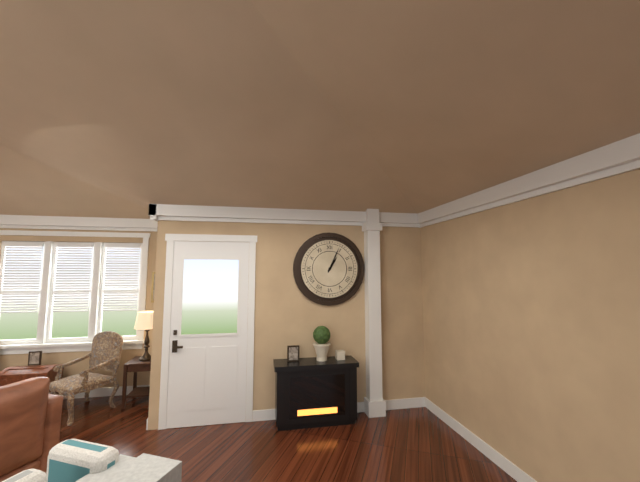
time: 1:04
